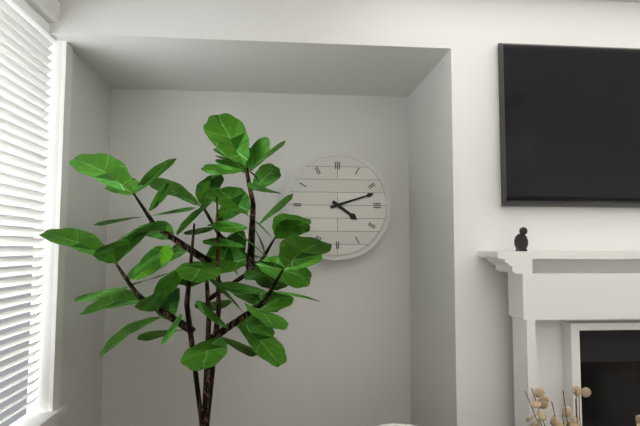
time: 4:12
